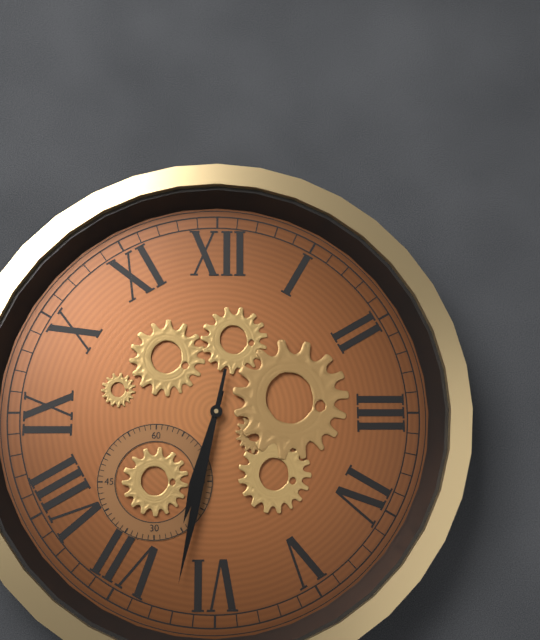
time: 6:32
